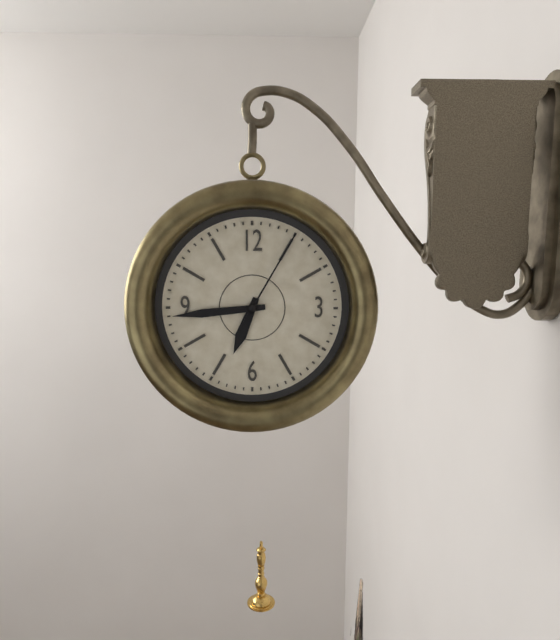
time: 6:44:05
